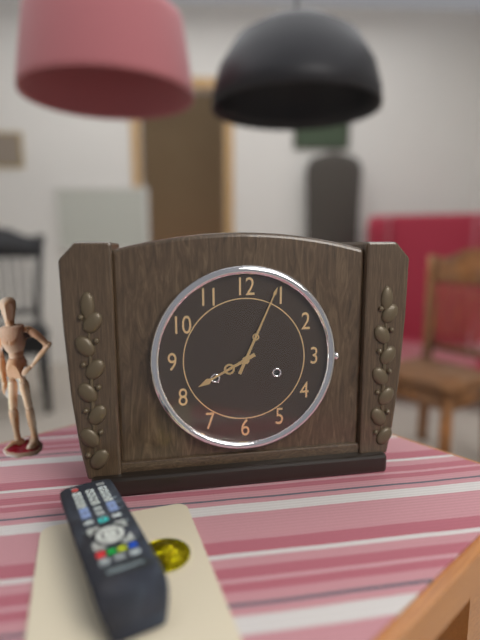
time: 8:04
